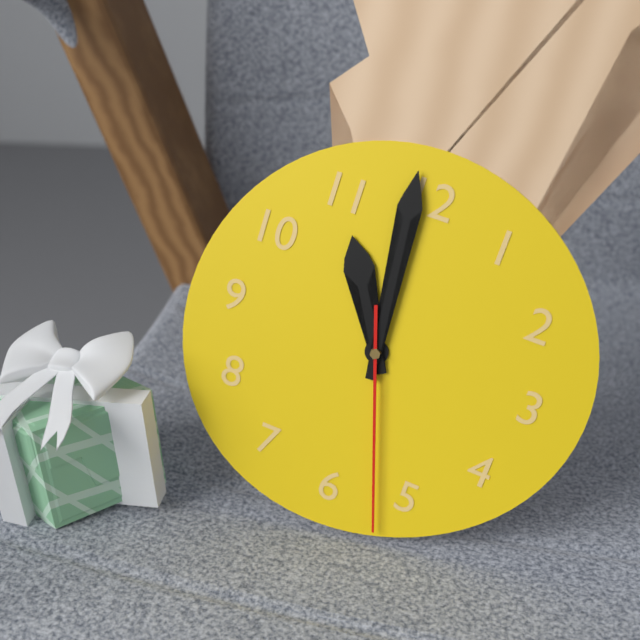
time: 10:59:27
